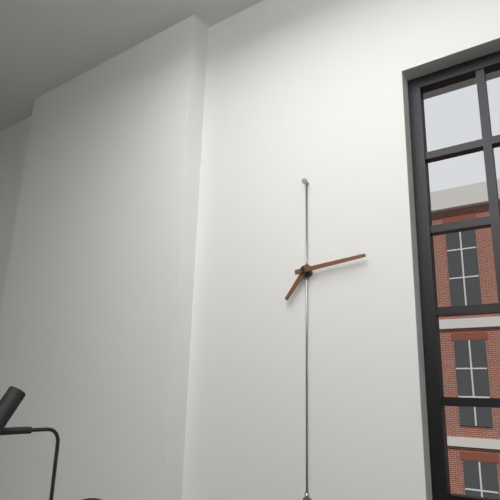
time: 7:14
